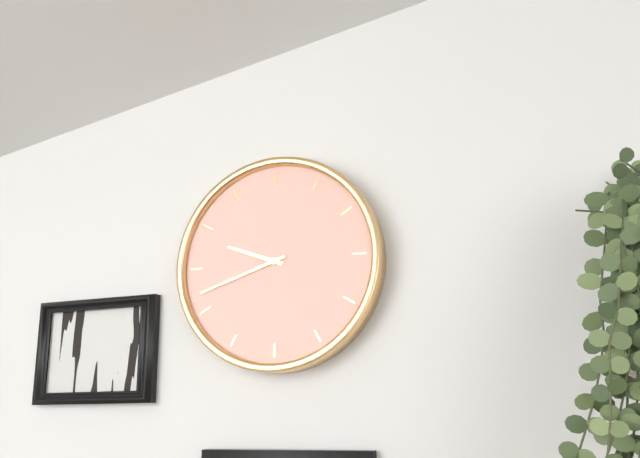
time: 9:42
